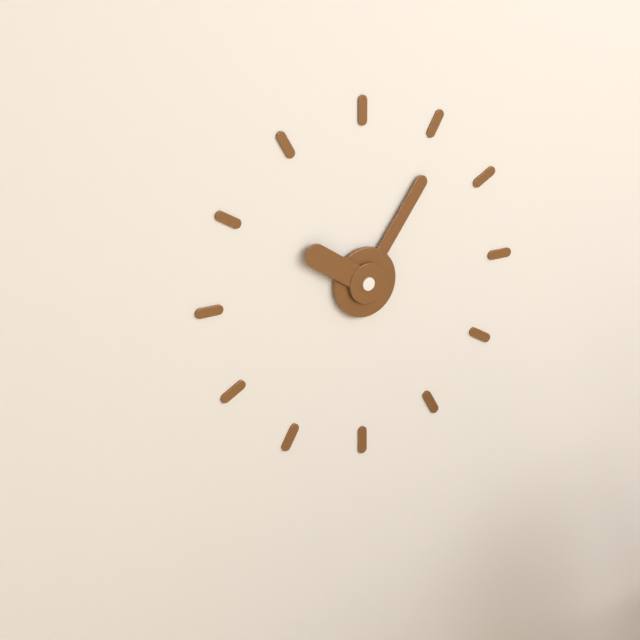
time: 10:06
